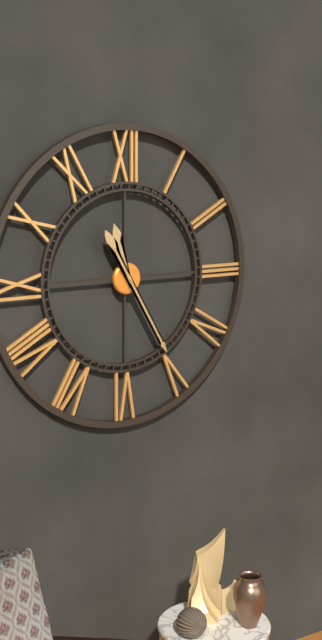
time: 11:25
